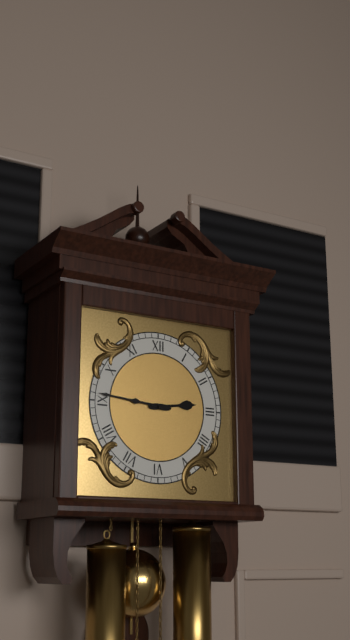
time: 2:46
